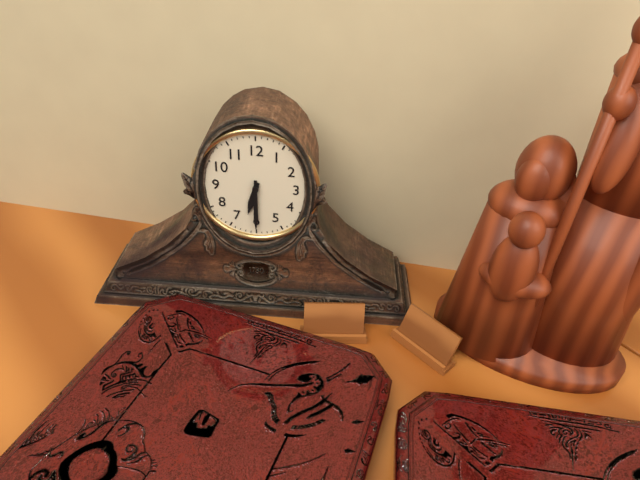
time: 6:30
